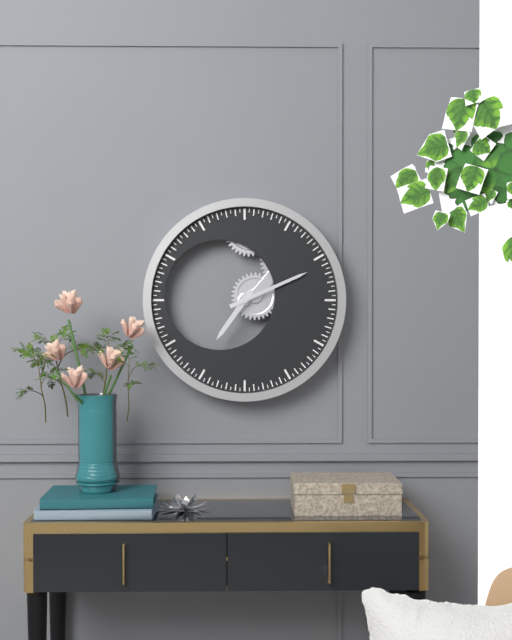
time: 7:11
